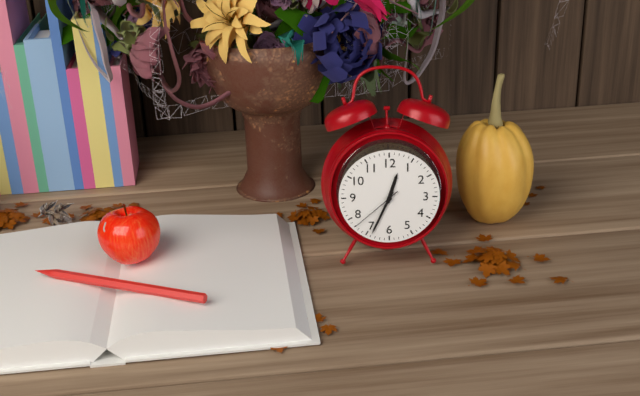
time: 12:34:38
